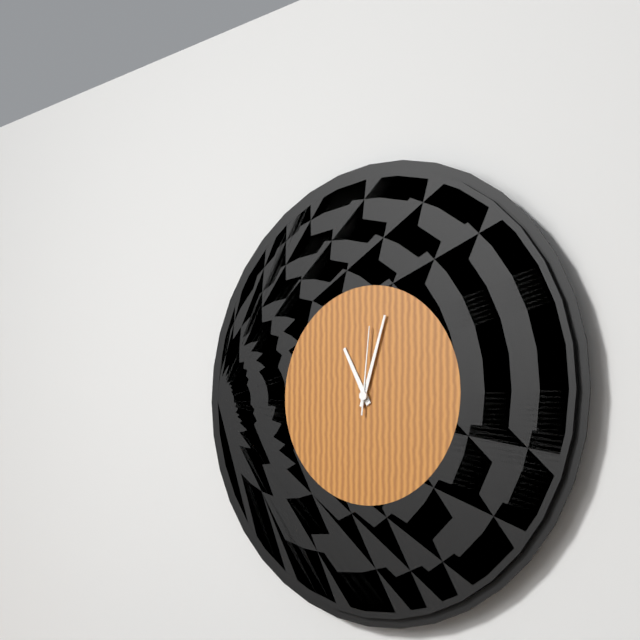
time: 11:03:01
